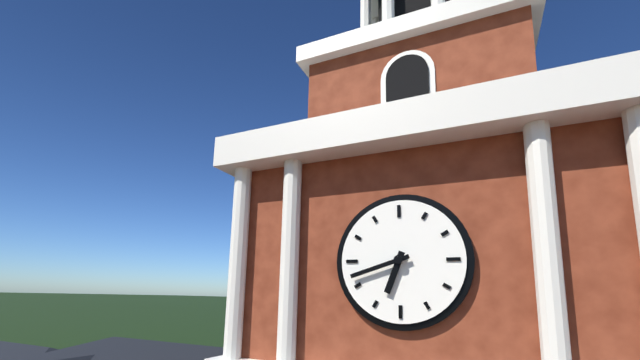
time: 6:42
